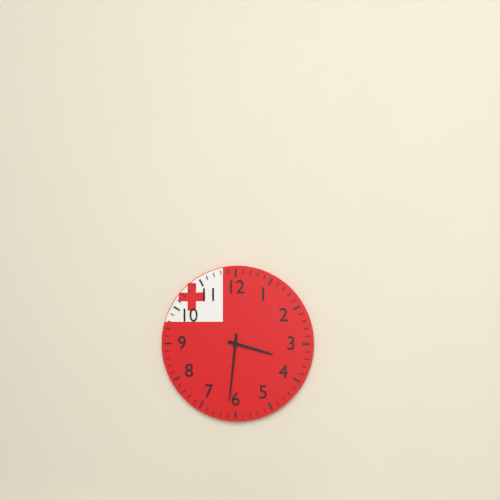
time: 3:31
